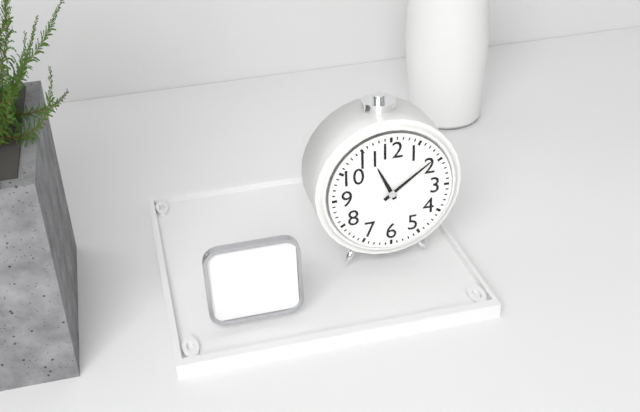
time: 11:09
